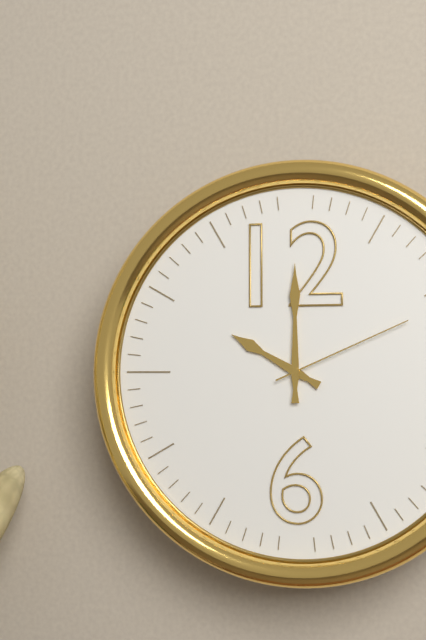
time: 10:00:11
